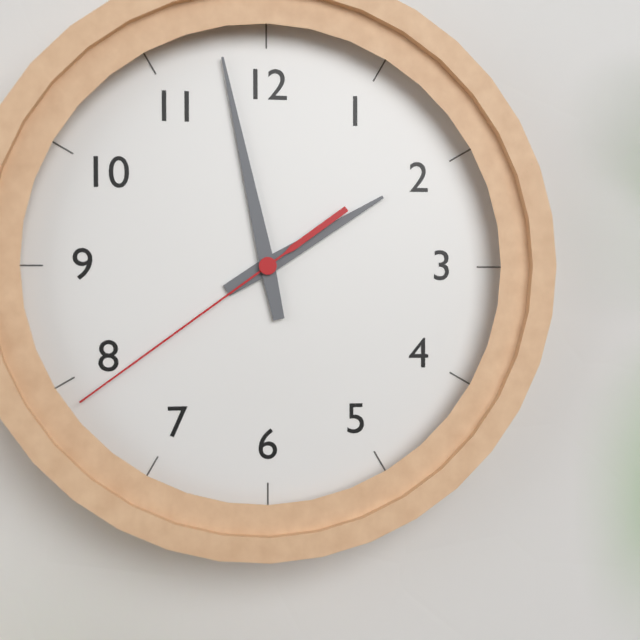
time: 1:58:39
